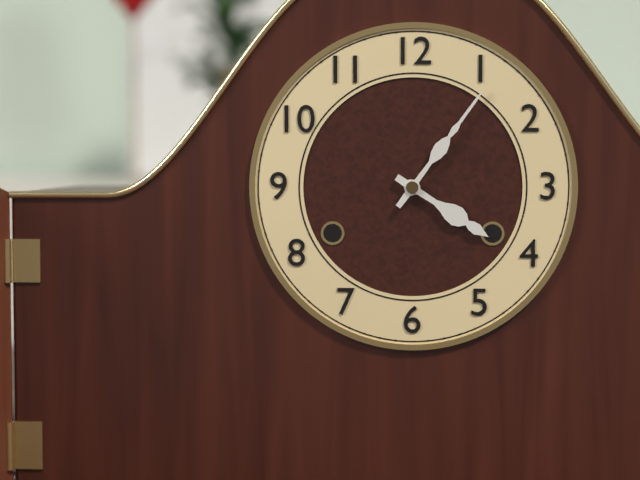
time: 4:06
